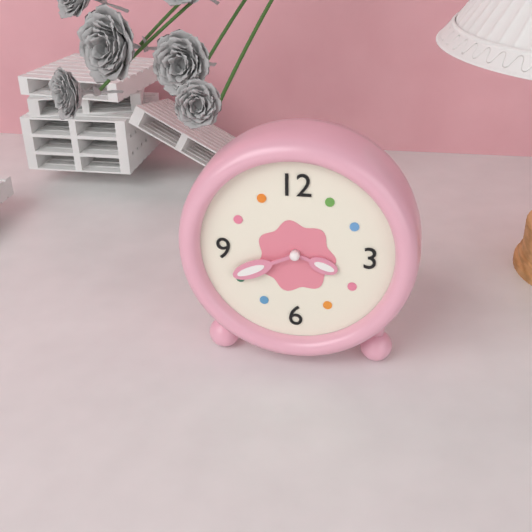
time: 3:41
